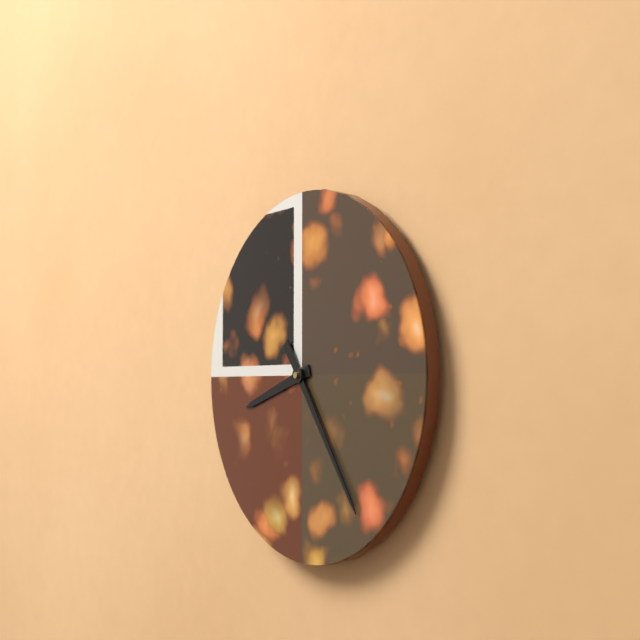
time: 8:24
